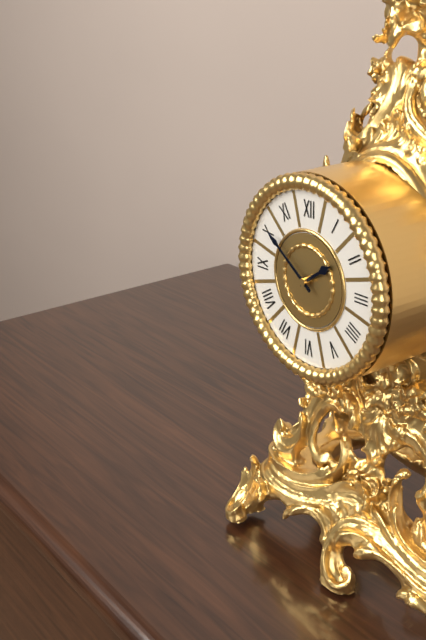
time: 1:51
